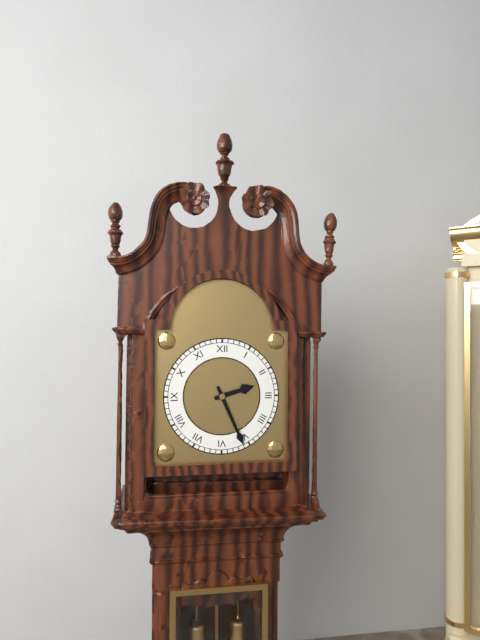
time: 2:26
